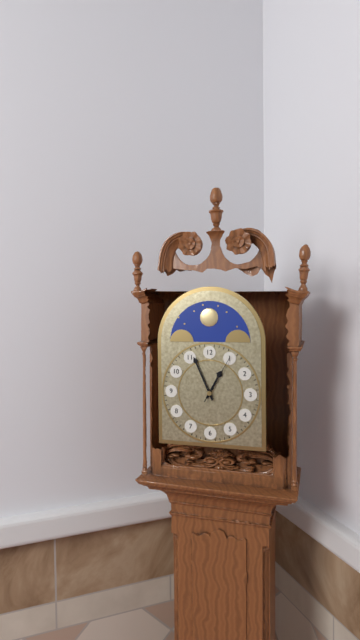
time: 12:56:05
